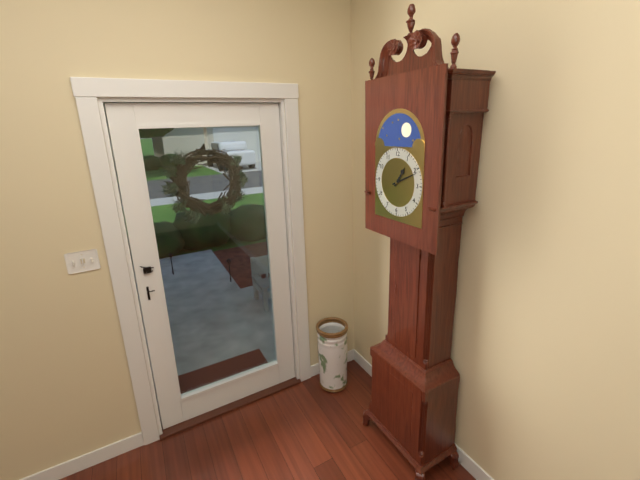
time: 1:11
